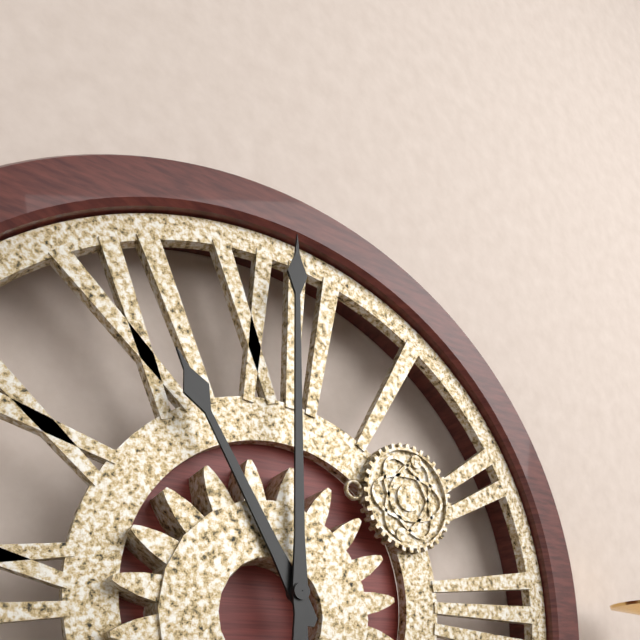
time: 11:00
